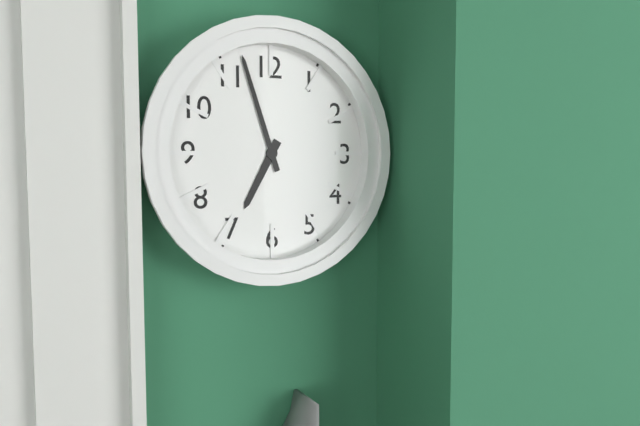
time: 6:57
